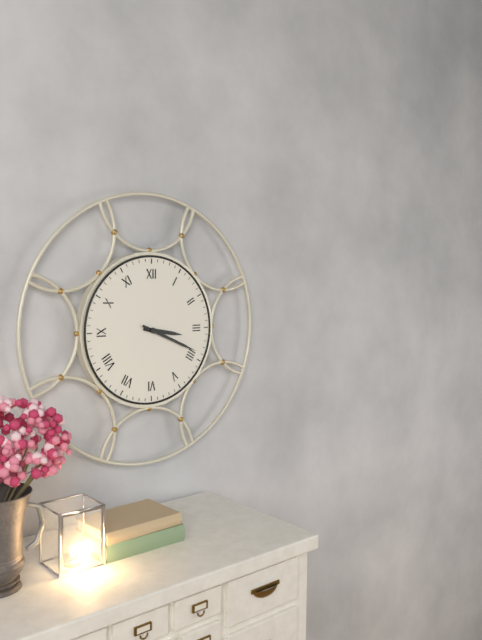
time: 3:19
